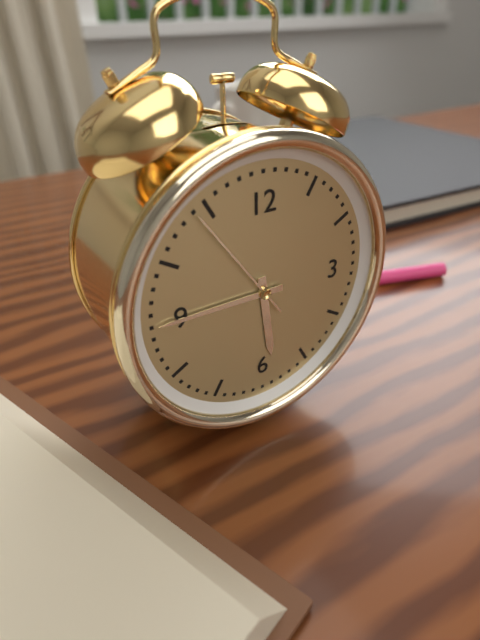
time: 5:45:54
